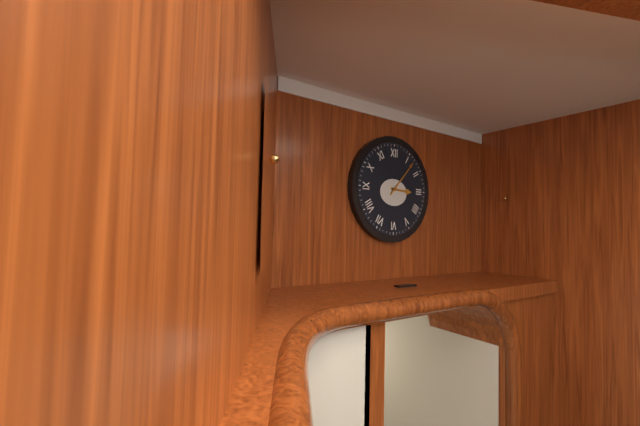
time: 3:07
